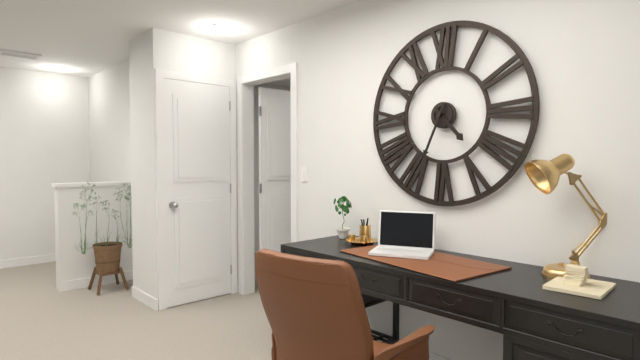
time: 4:34
